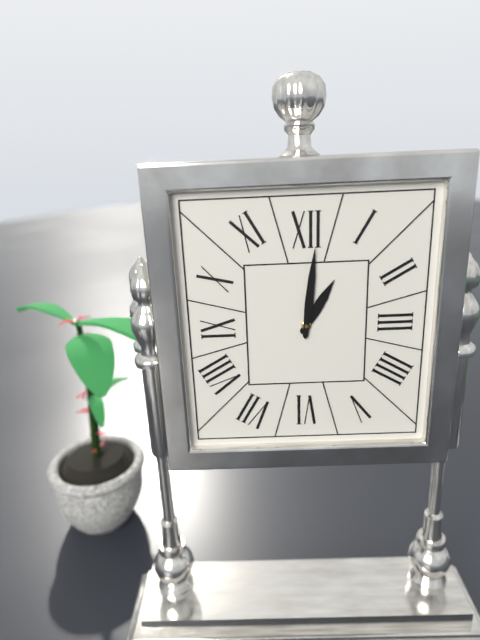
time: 1:01
